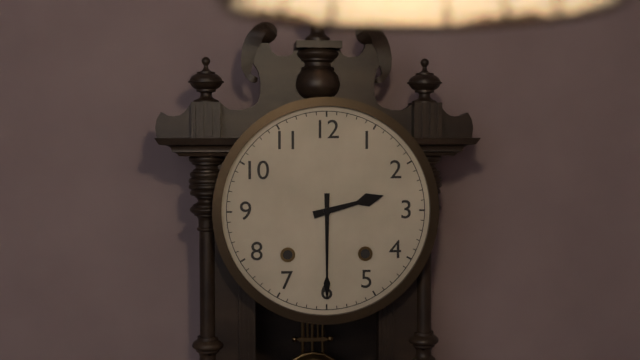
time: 2:30
